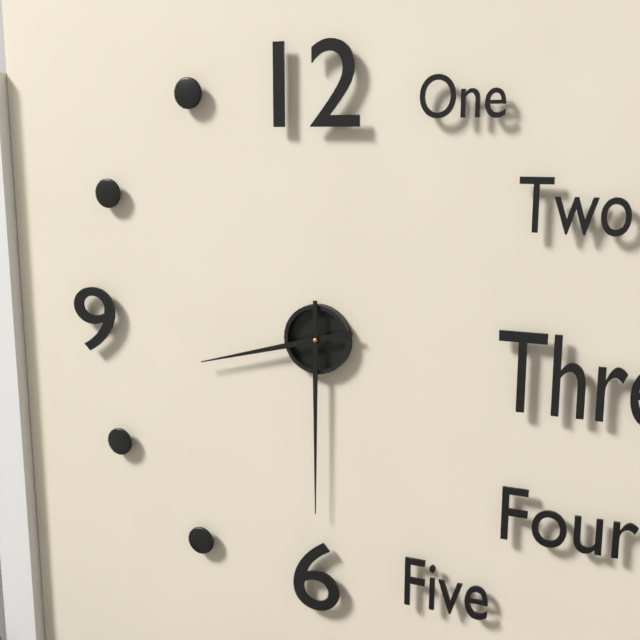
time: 8:30
